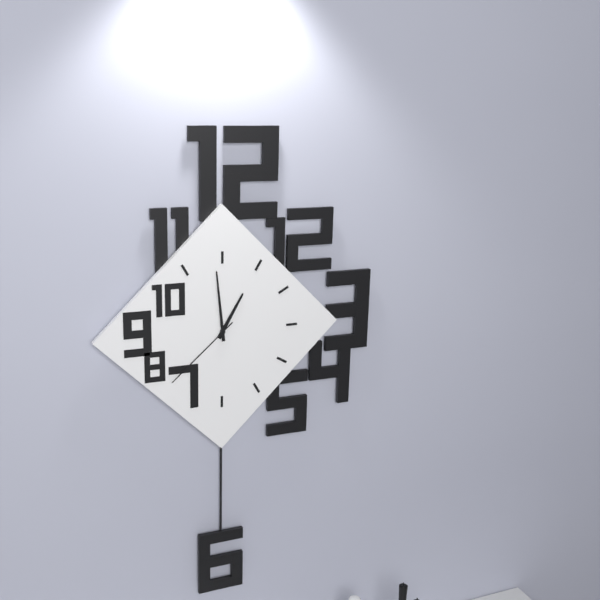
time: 12:59:38
